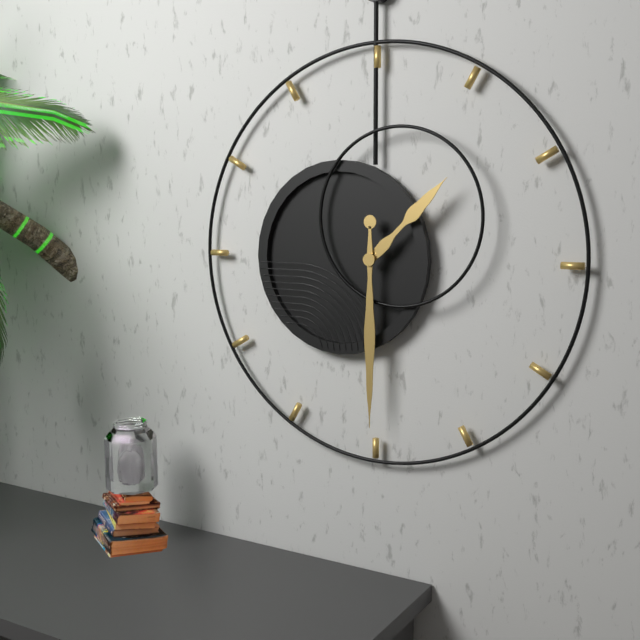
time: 1:30
